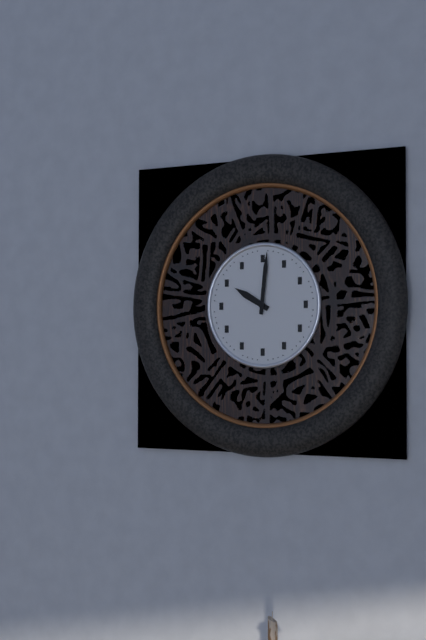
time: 10:01
